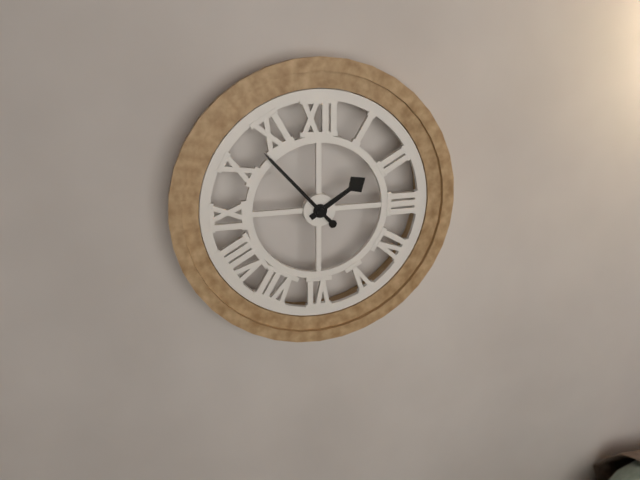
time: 1:53
